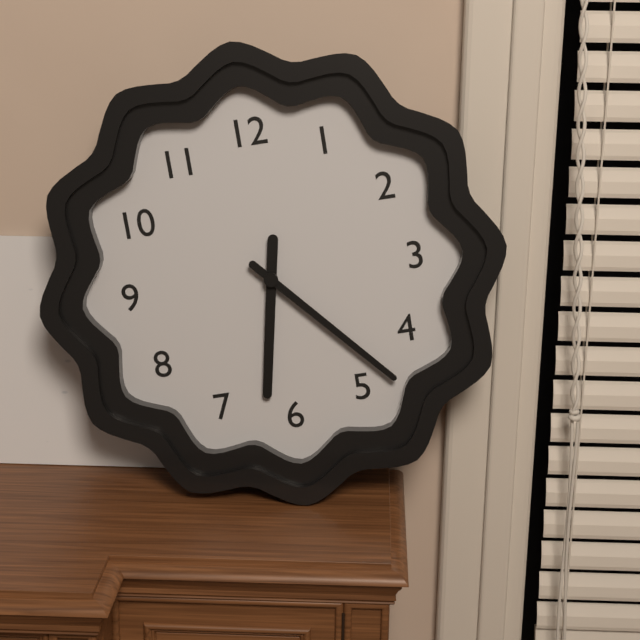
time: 6:23
